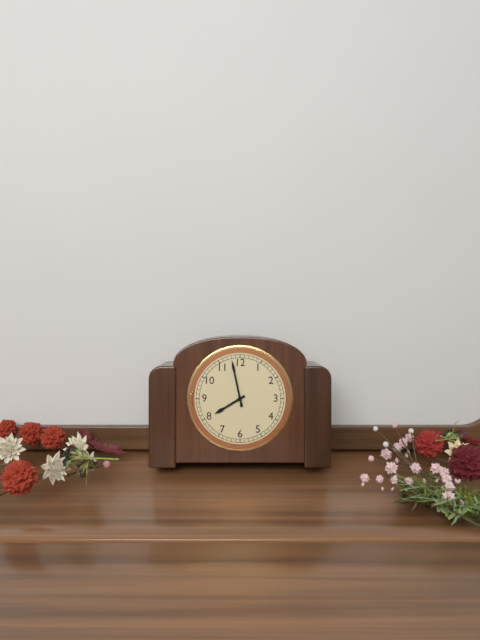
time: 7:58
